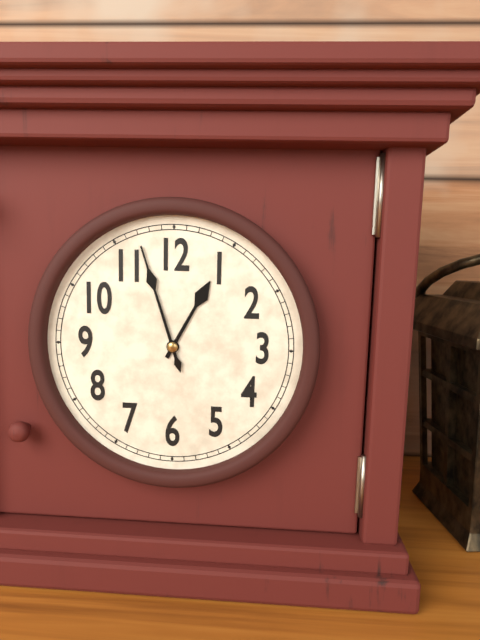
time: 12:57
